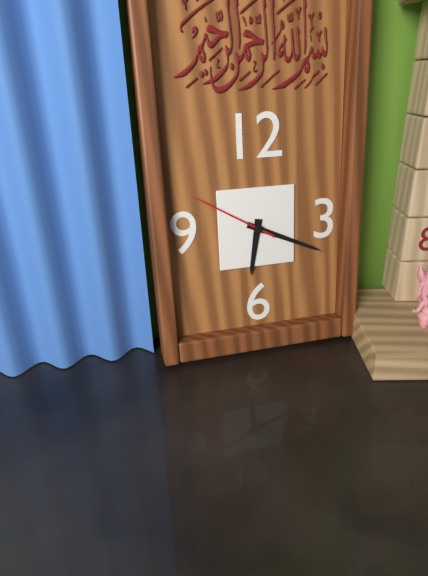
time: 6:19:50
